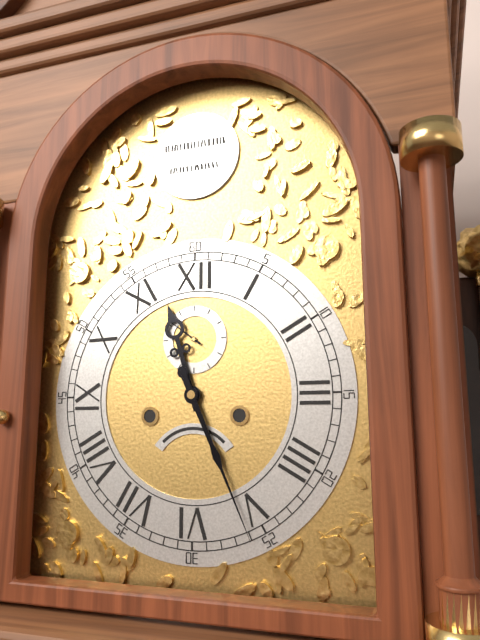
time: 11:26
